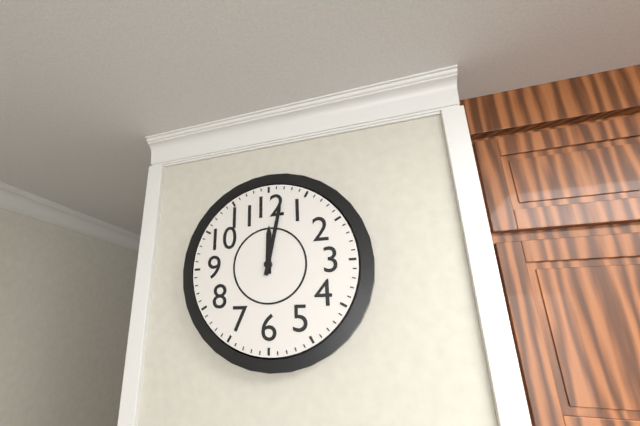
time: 12:02
